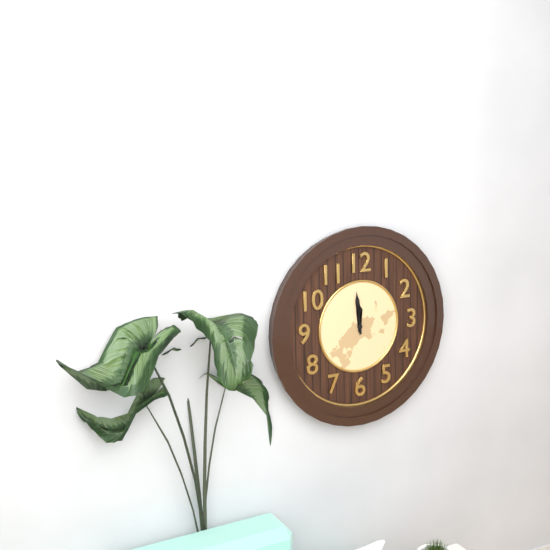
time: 11:59
